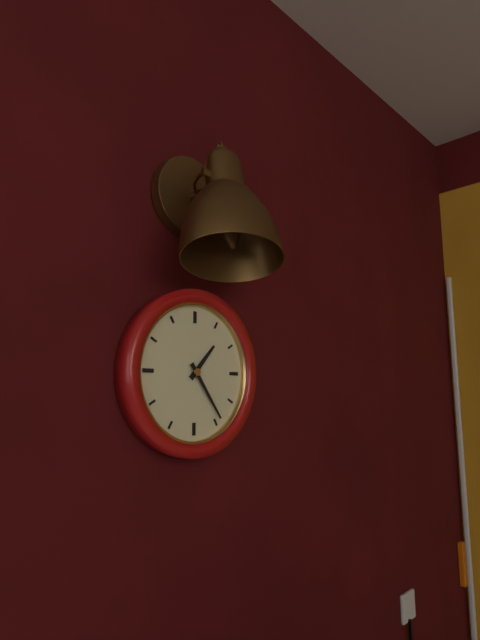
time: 1:24
